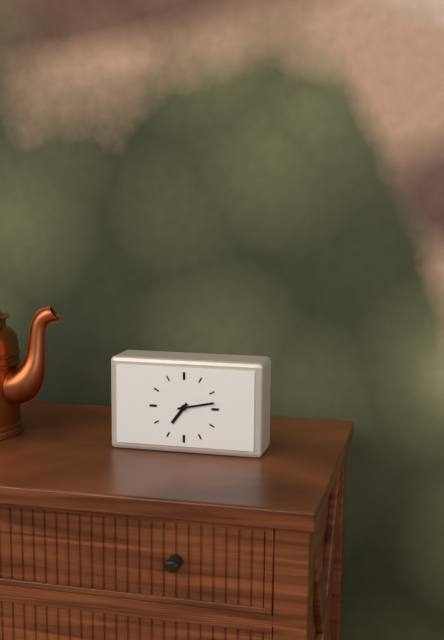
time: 7:13
